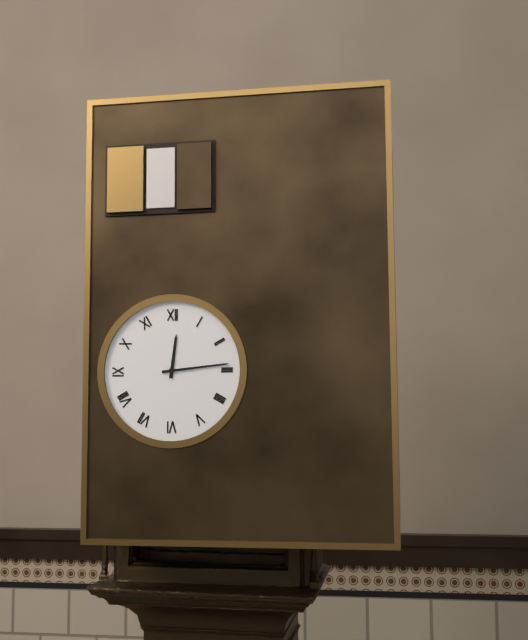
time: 12:14
